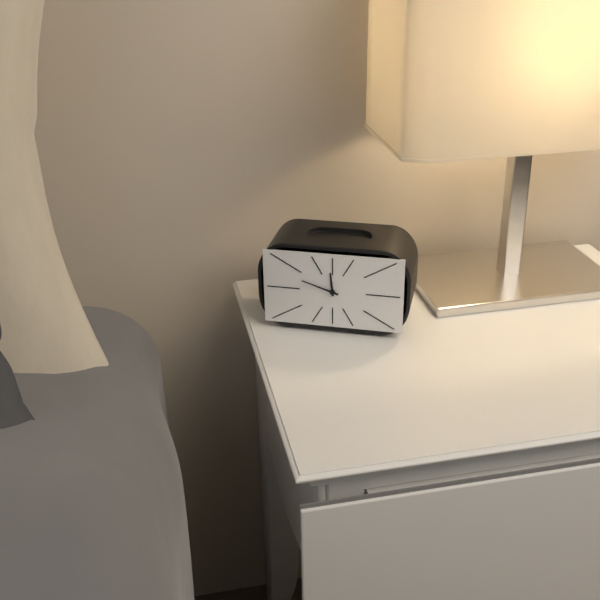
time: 11:48
